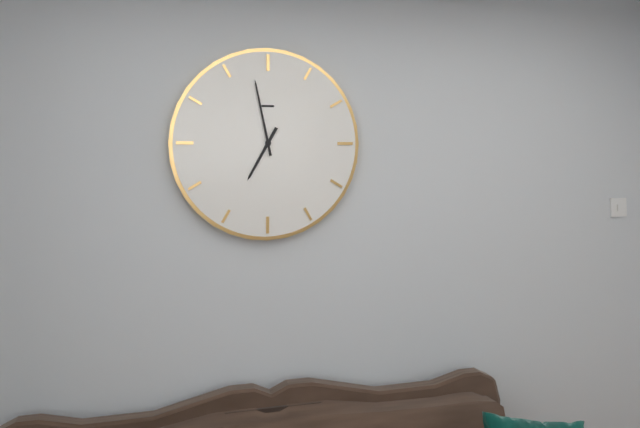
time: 6:58
